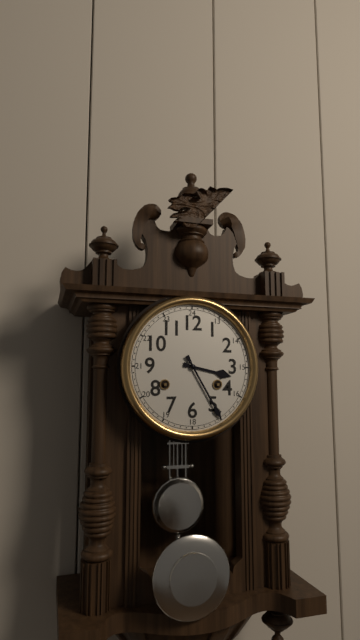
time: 3:25
